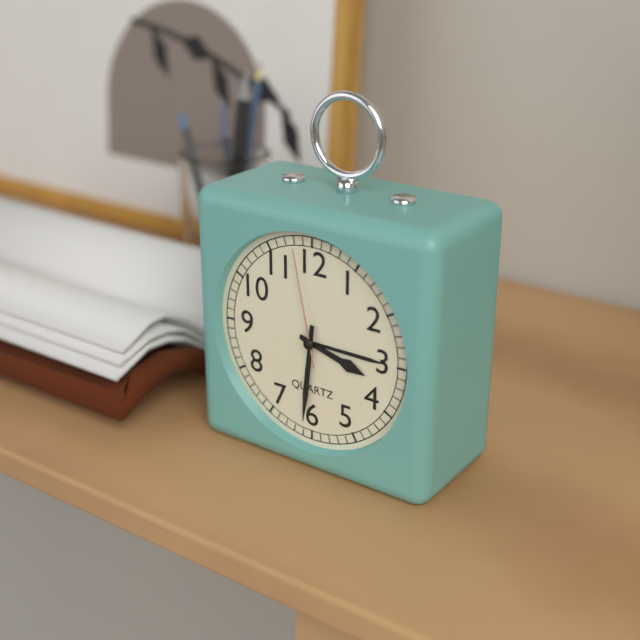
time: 3:31:58
